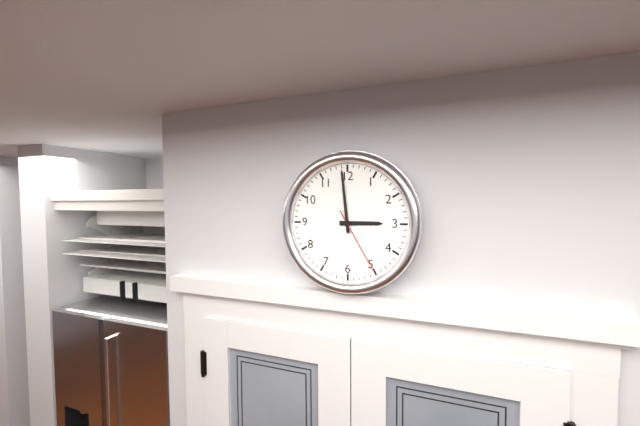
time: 2:59:25
